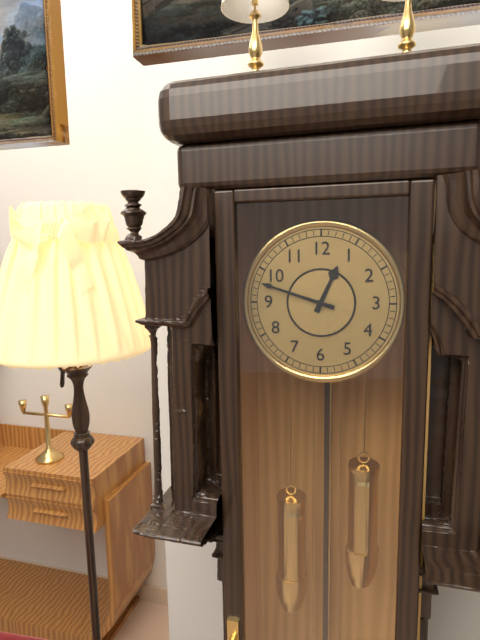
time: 12:48
